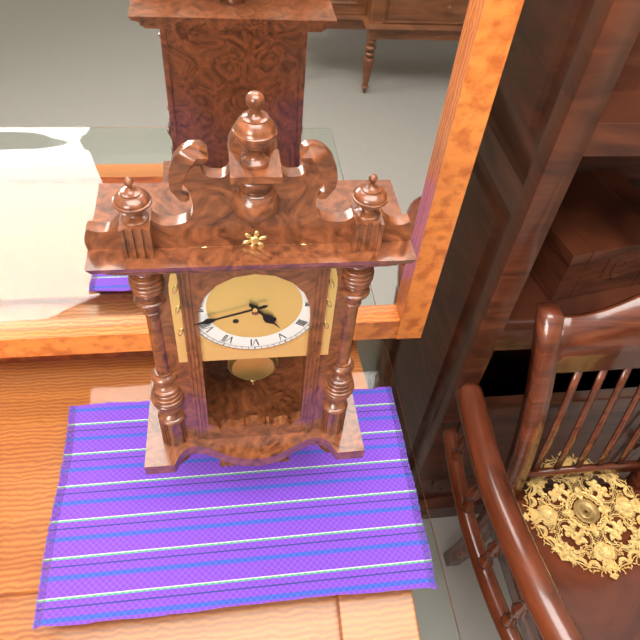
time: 4:42
